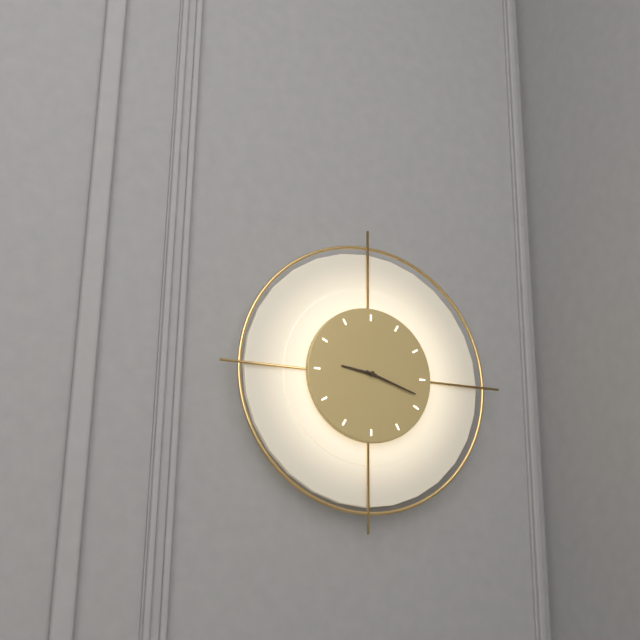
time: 9:18
